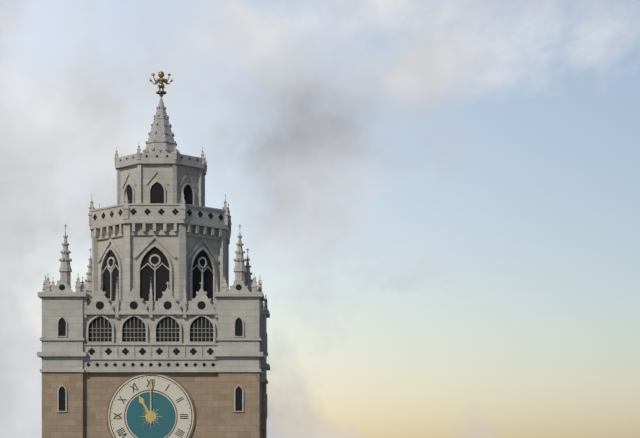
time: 11:00
